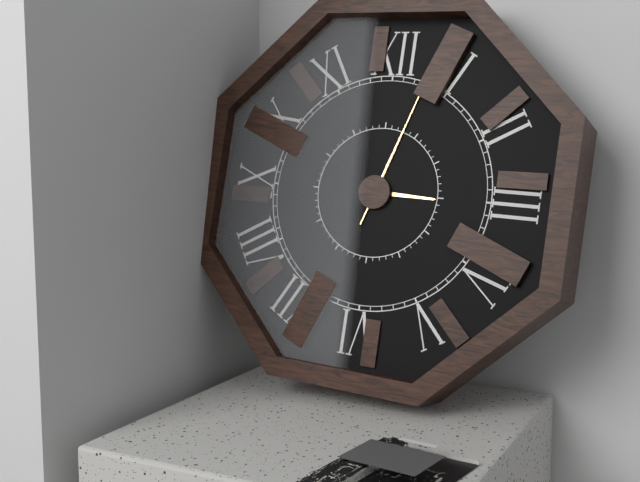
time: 3:03
